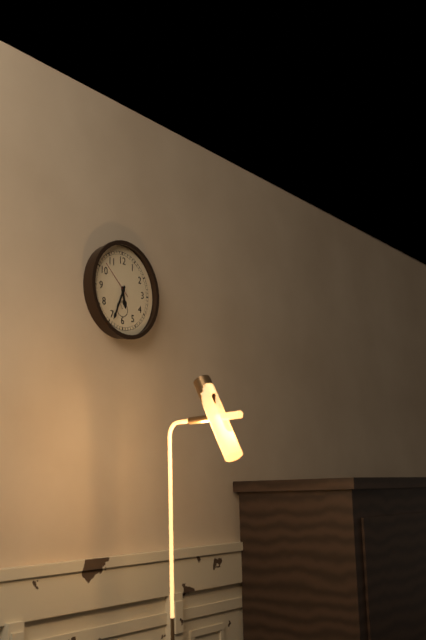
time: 5:34
